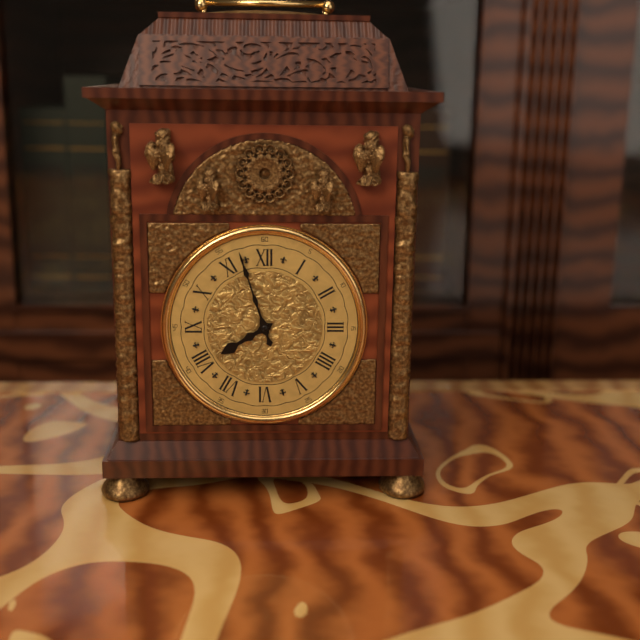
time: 7:57
